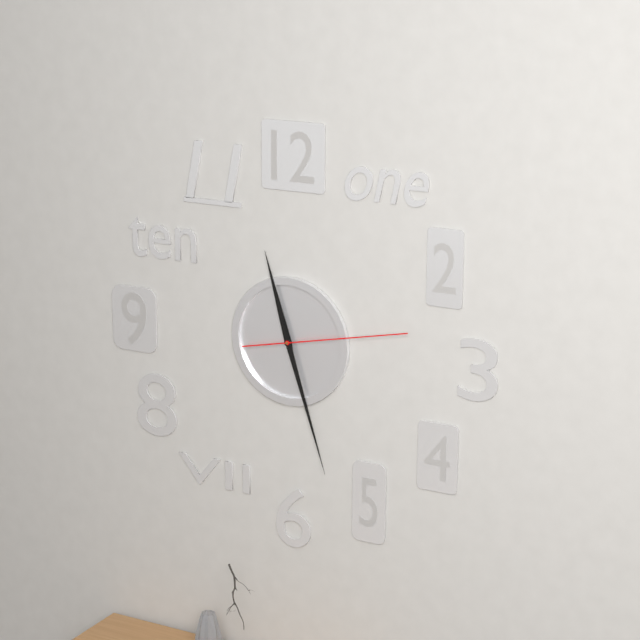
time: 11:27:13
